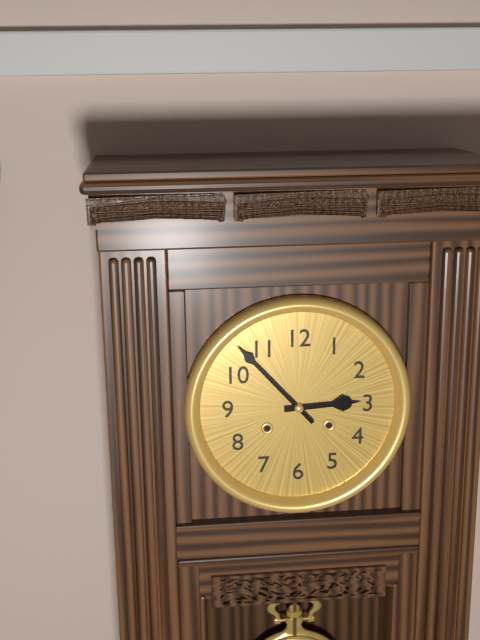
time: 2:53
